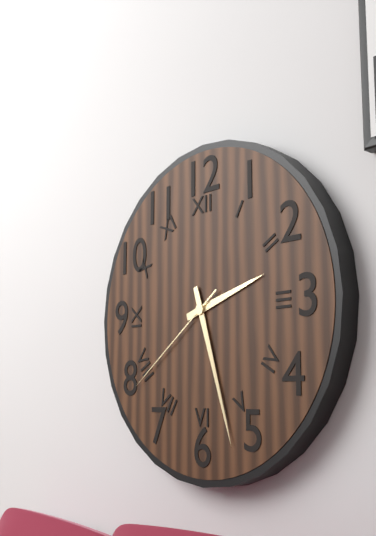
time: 2:27:39
